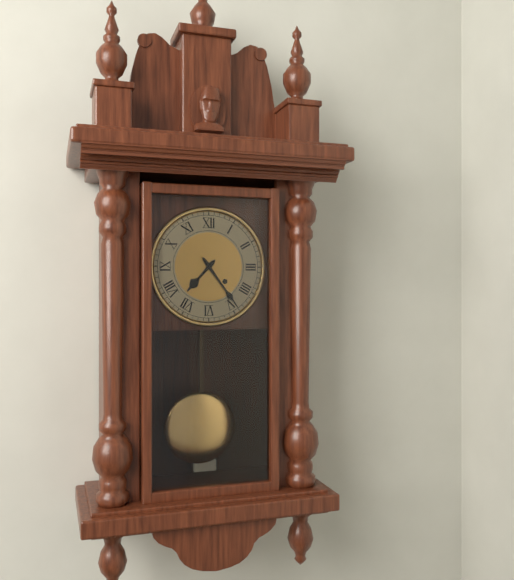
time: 7:24
